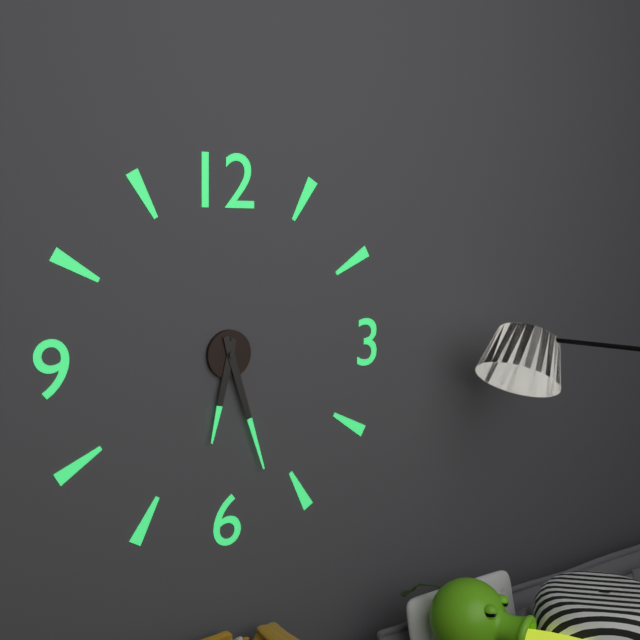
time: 6:27
